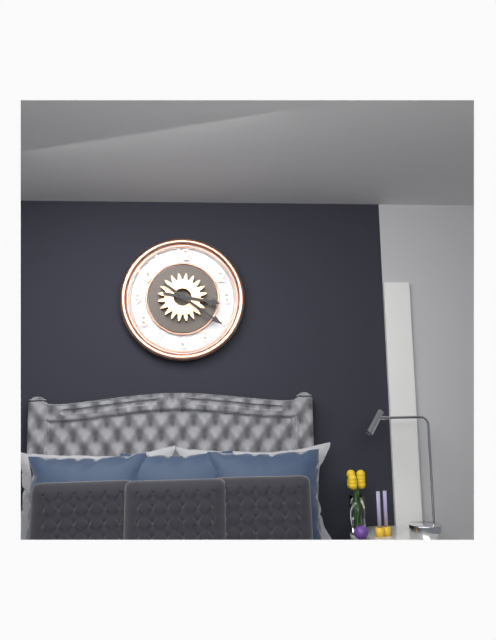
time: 3:21
